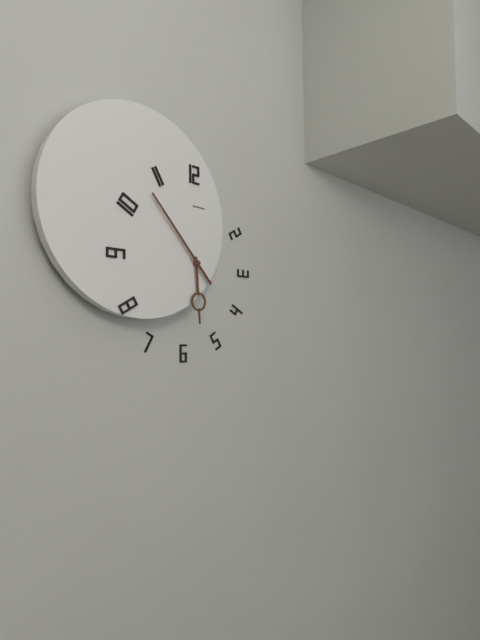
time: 5:53
